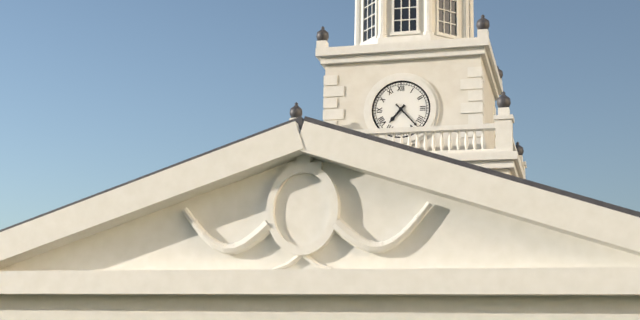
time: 7:23
